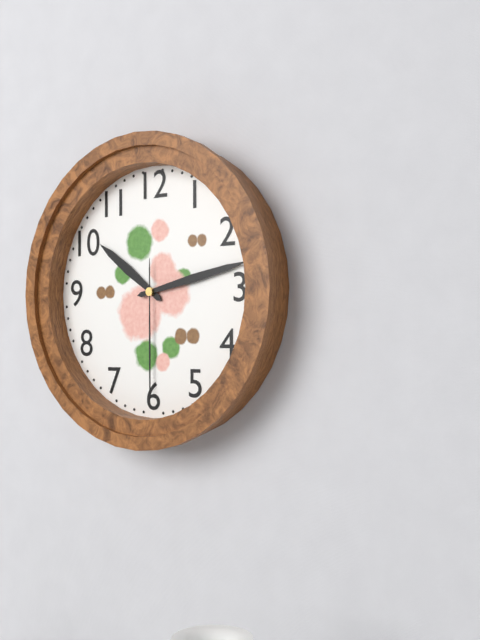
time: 10:13:30
